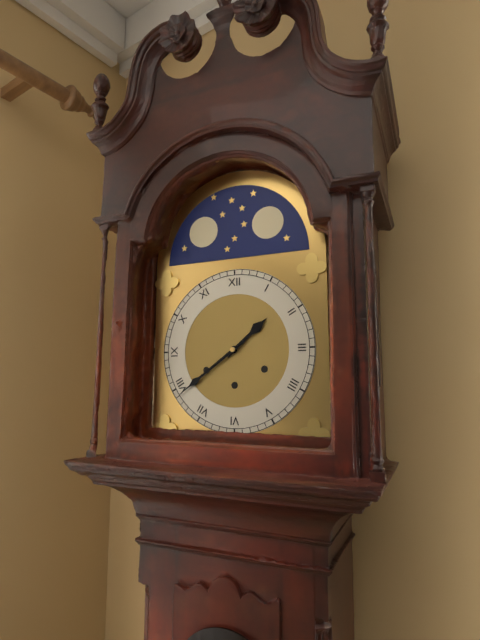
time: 1:39
